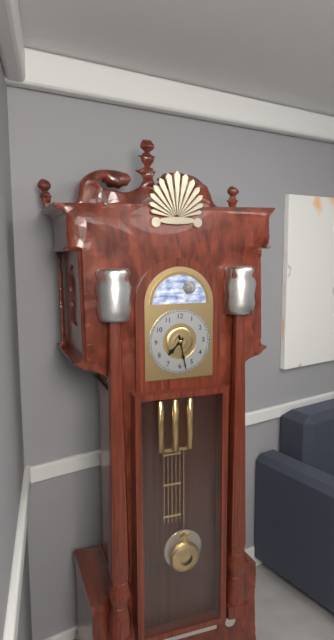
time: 7:28
